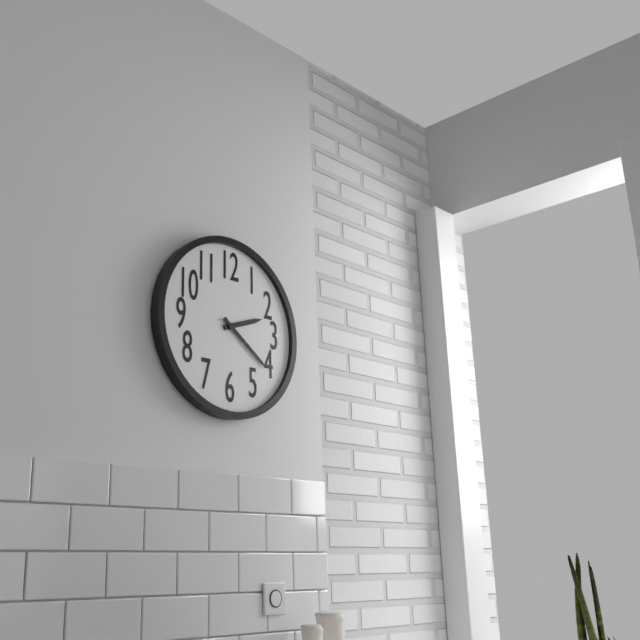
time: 2:21
